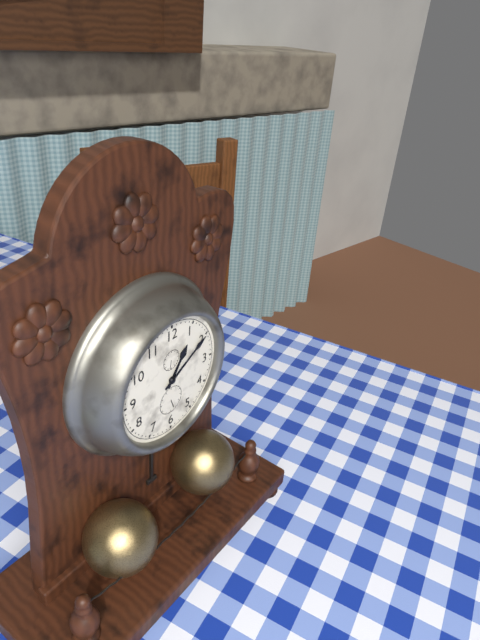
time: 1:10
